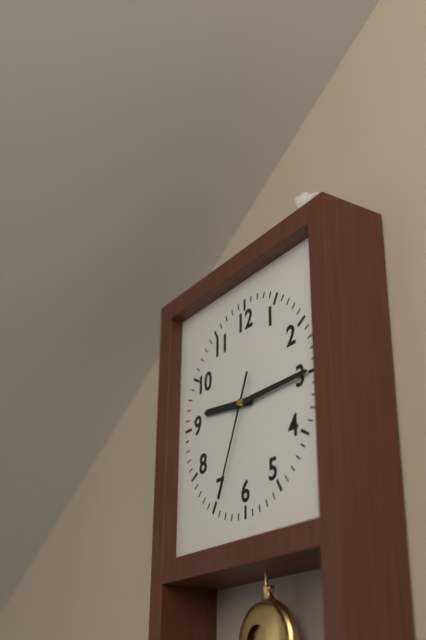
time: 9:15:34
